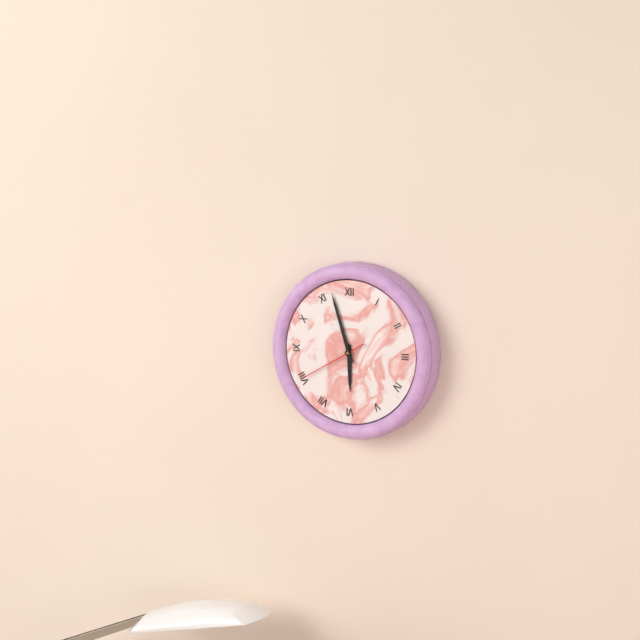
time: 5:57:40
